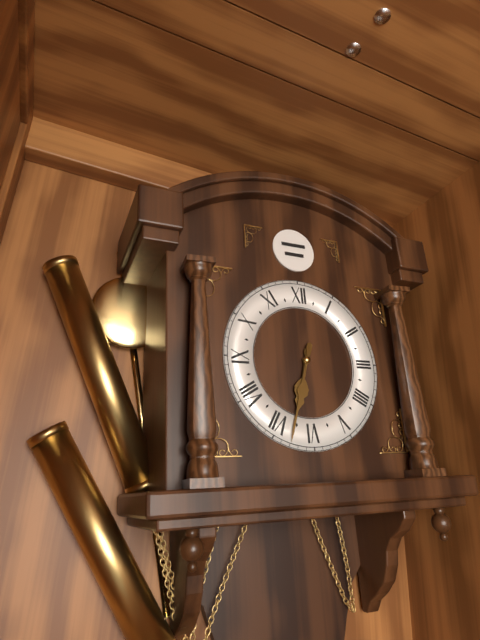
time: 6:33
